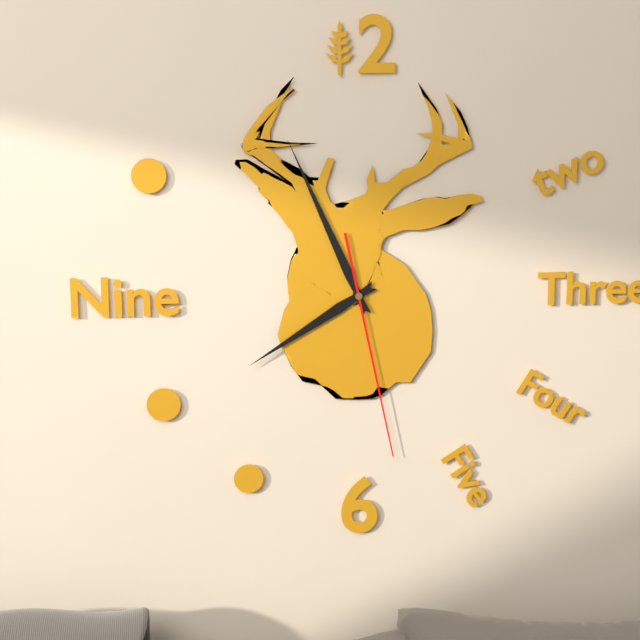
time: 7:56:28
